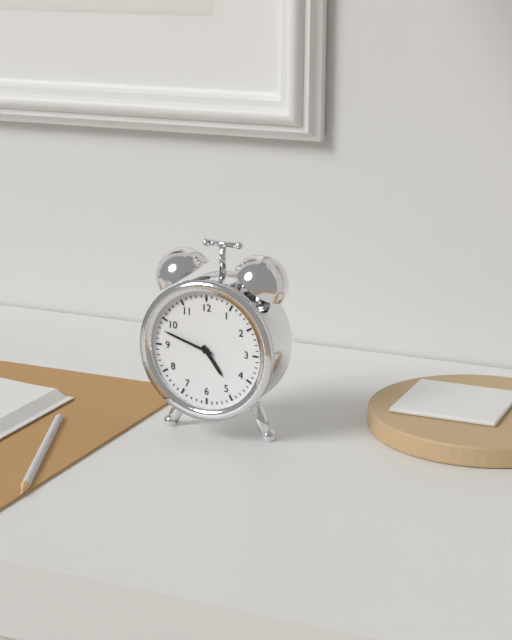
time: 4:48
